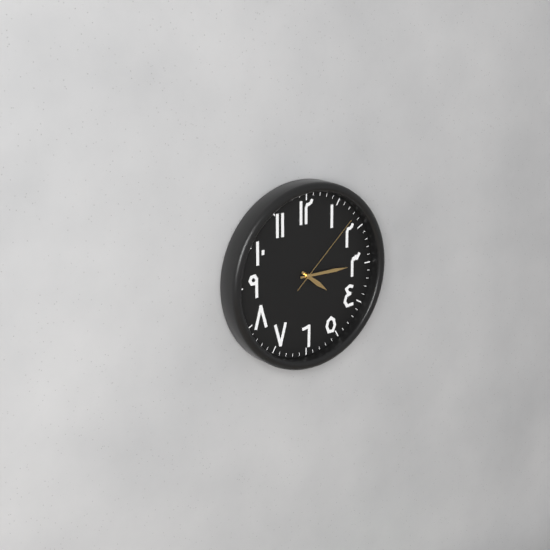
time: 4:15:08
